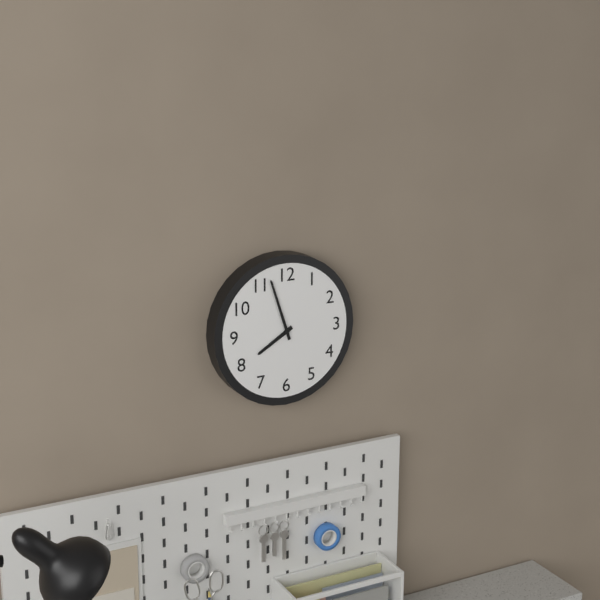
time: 7:57
